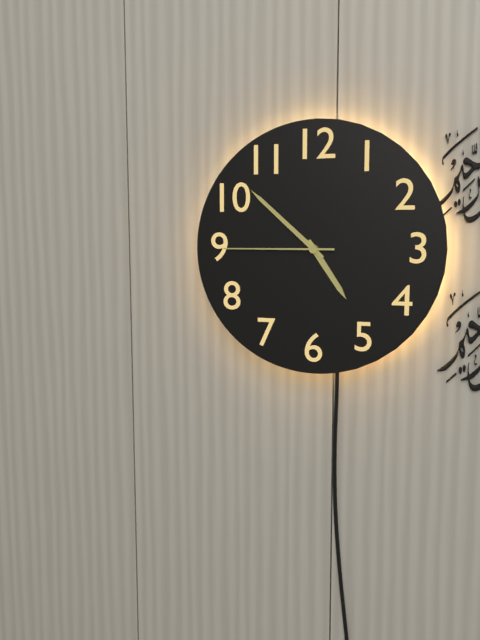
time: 4:52:45
